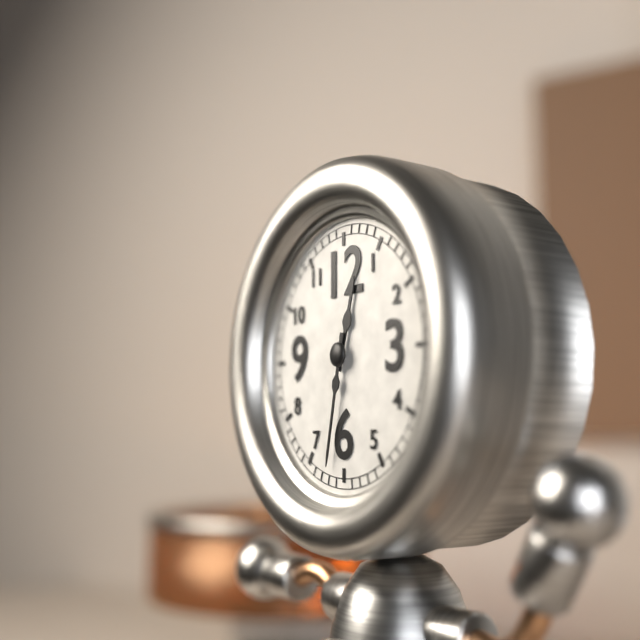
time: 12:32
